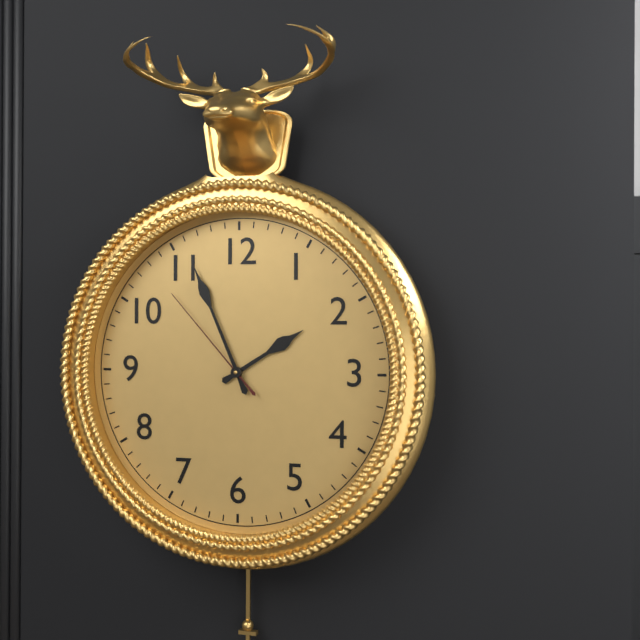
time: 1:56:53
